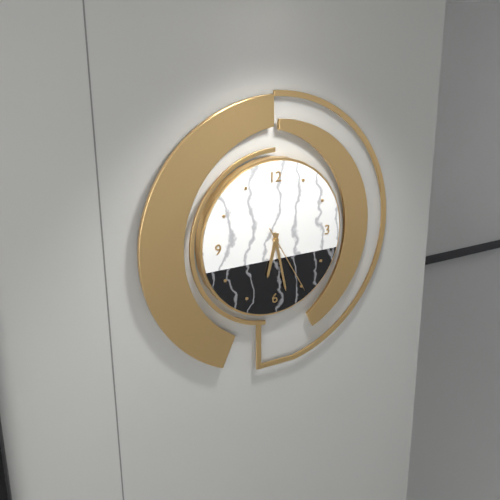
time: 6:28:25
